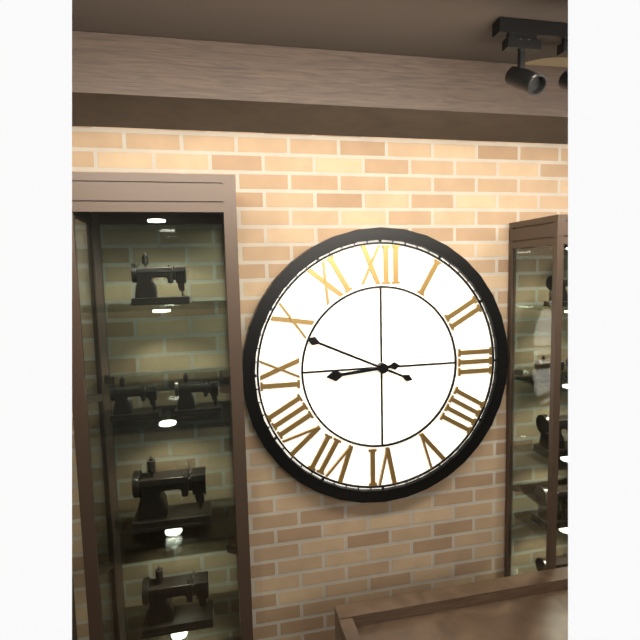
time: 8:49
